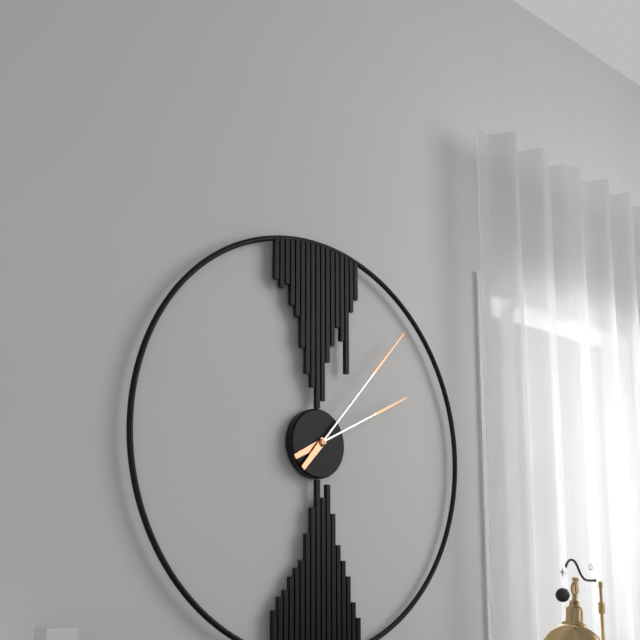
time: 2:07
